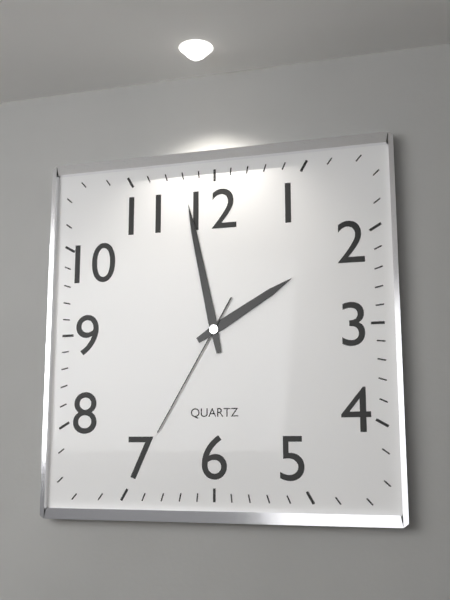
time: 1:58:35
